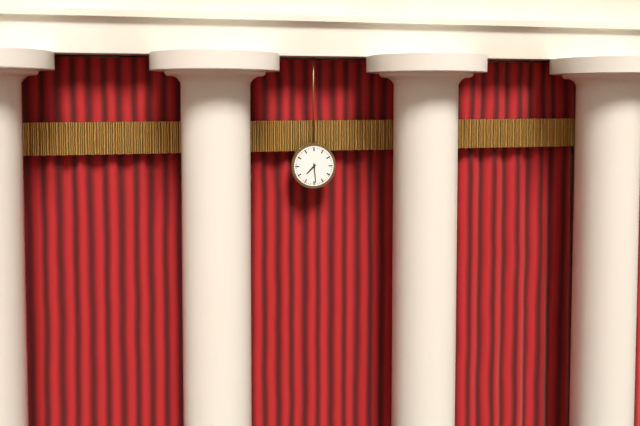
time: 7:29
